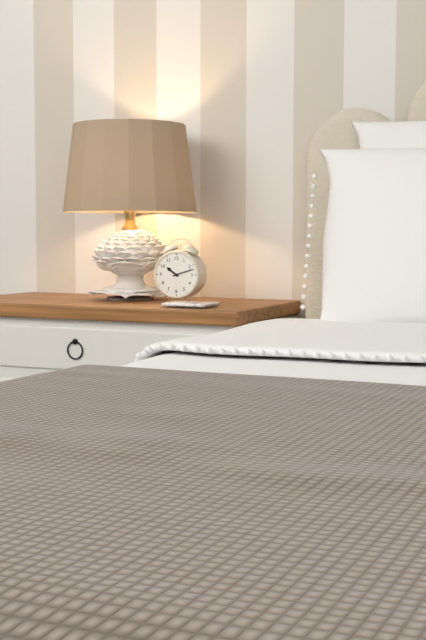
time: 10:12
